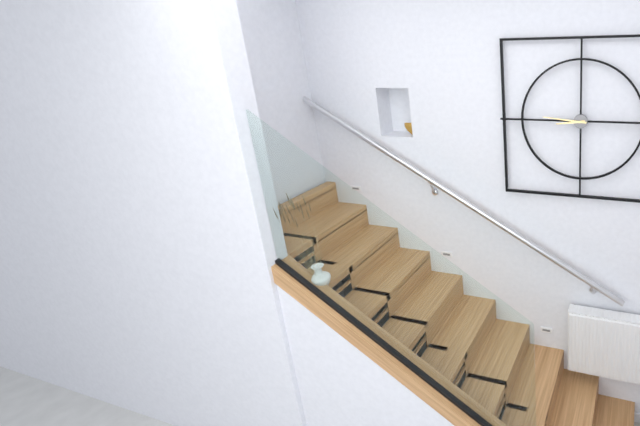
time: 8:46
